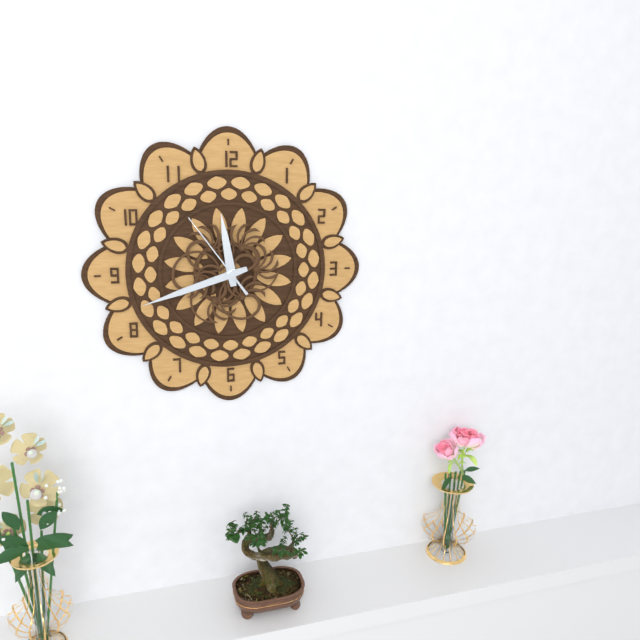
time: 11:42:54
